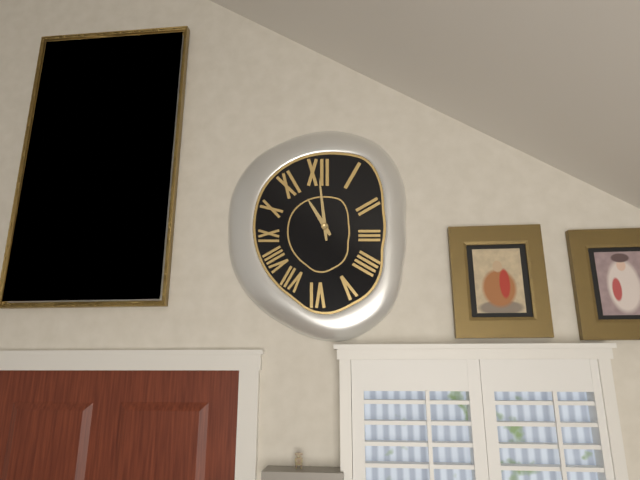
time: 10:59
